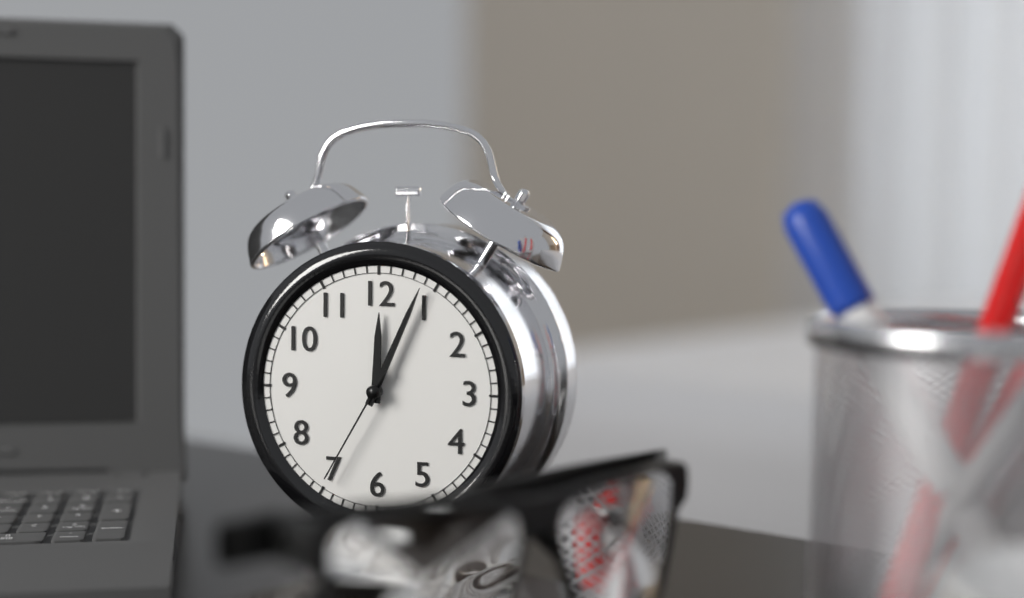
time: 12:04:35
